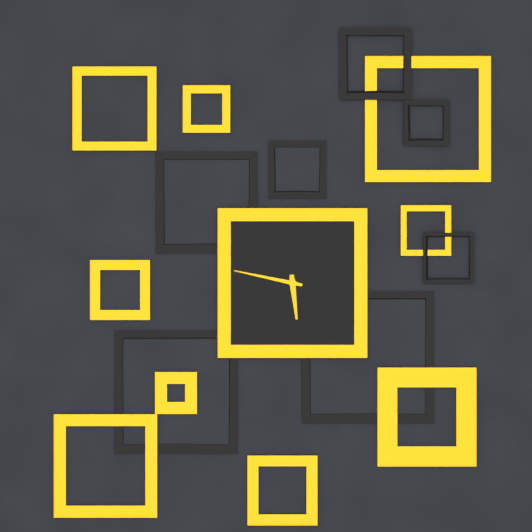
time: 5:47
